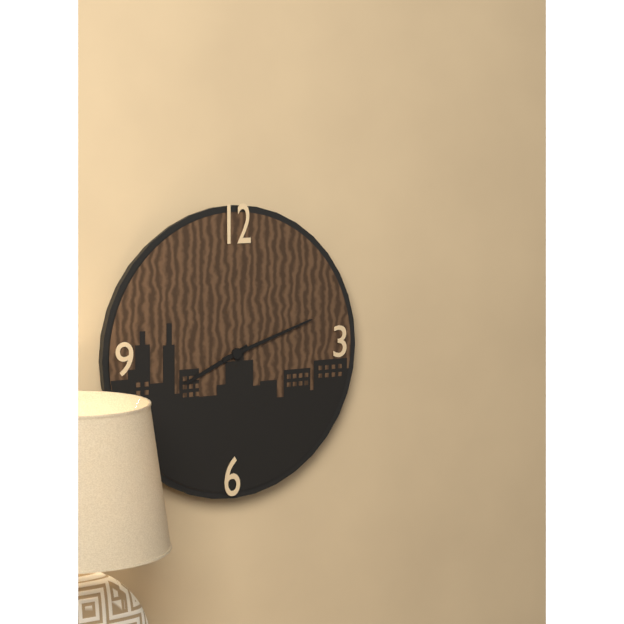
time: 8:12
